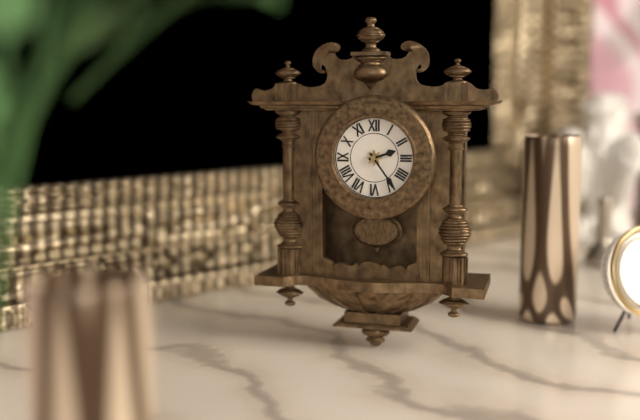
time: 2:24
